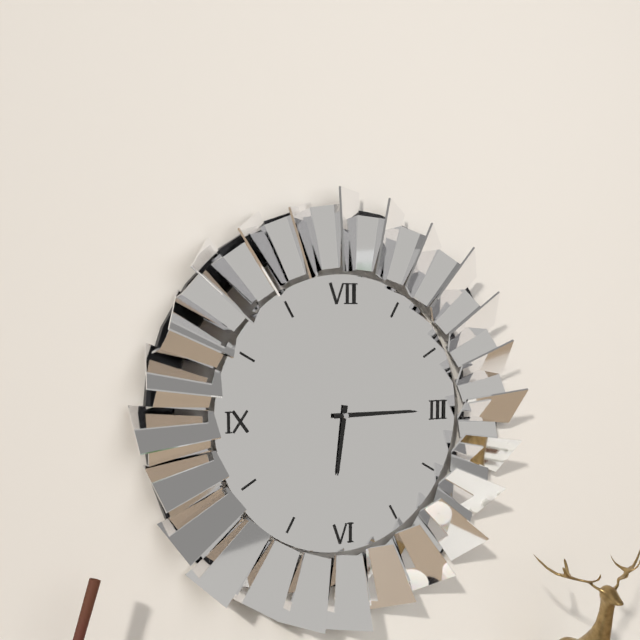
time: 6:15
